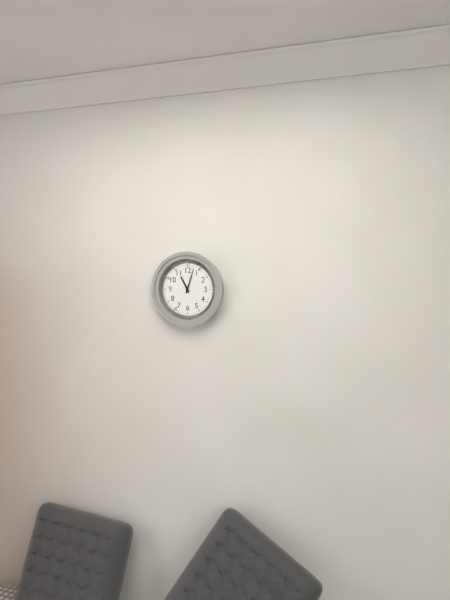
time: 11:03
